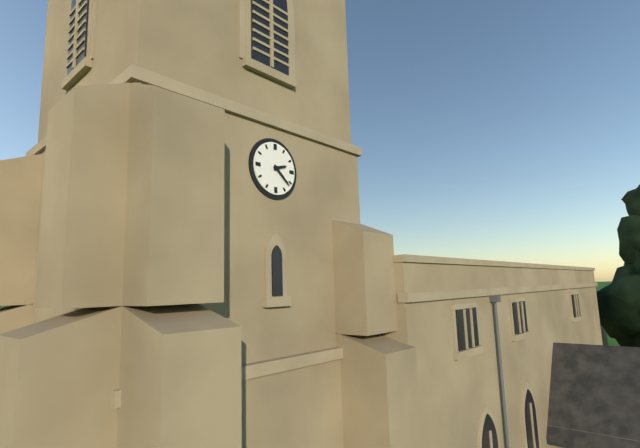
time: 2:22
